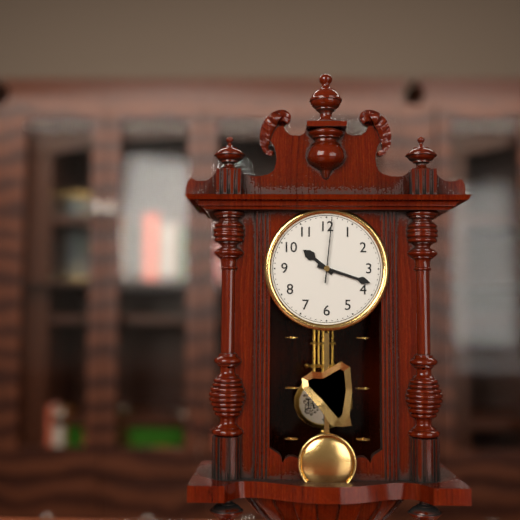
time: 10:18:01
